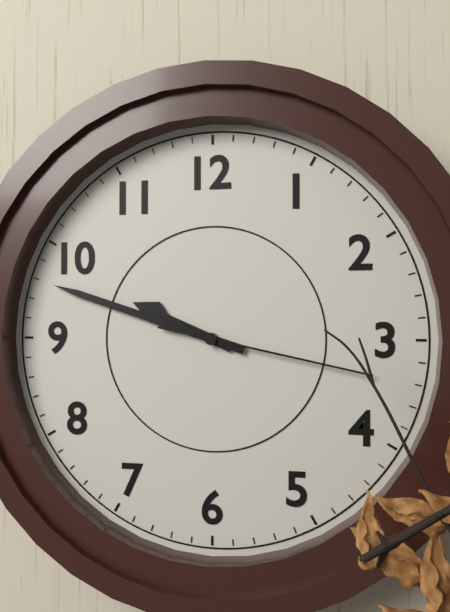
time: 9:48:17
